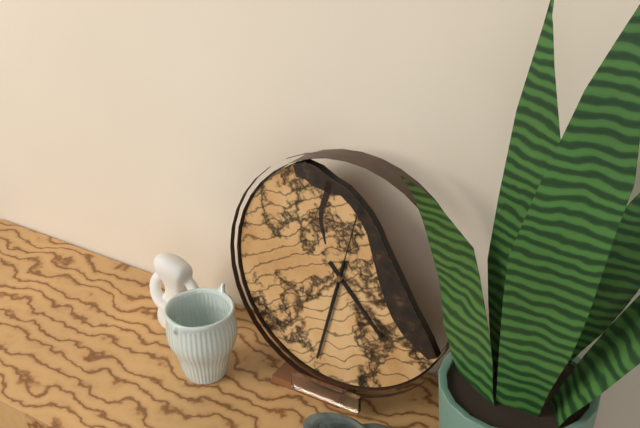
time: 4:32:02
